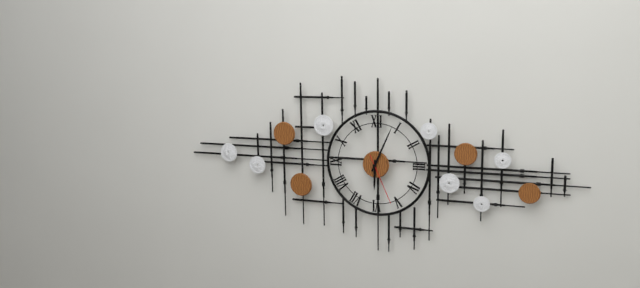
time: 6:04:26
